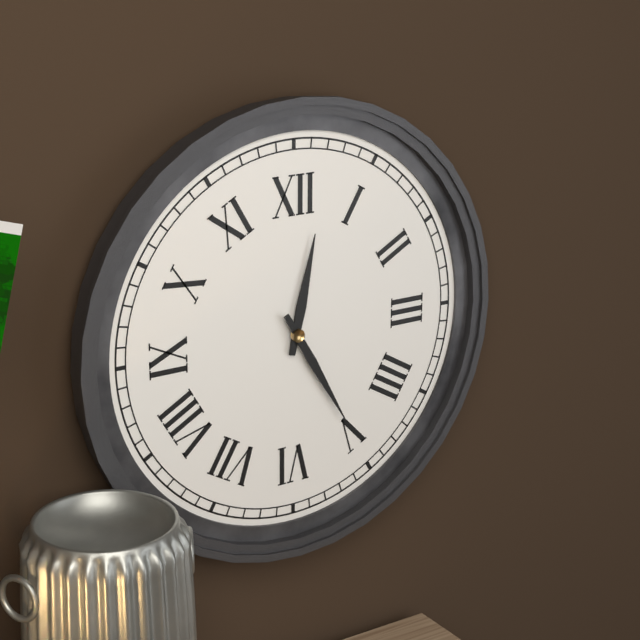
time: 12:25
